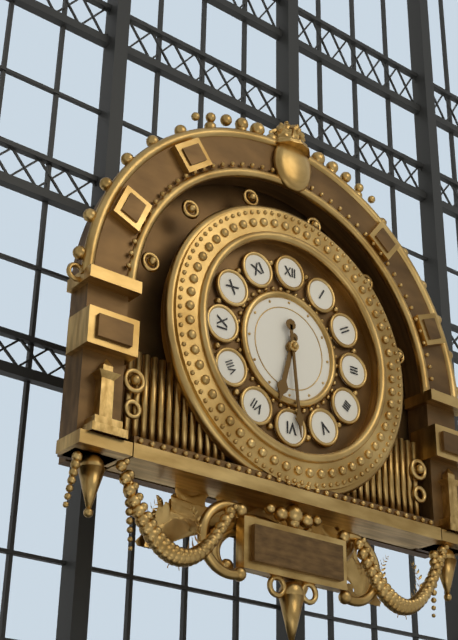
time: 6:29
